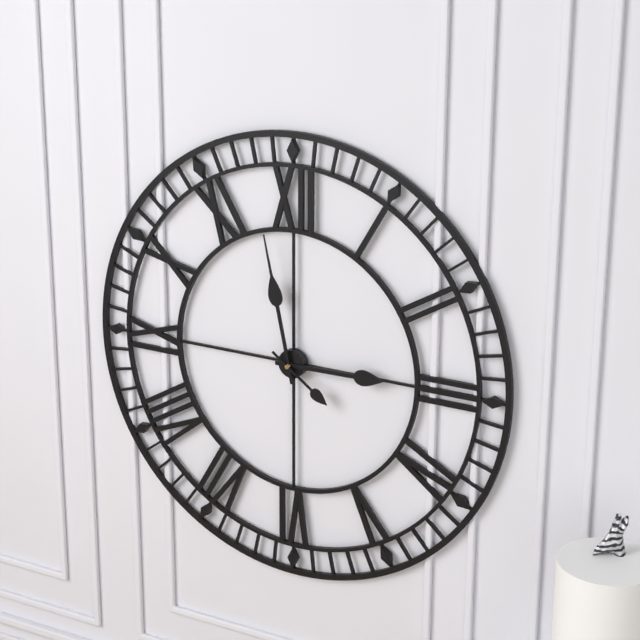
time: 2:58:21
